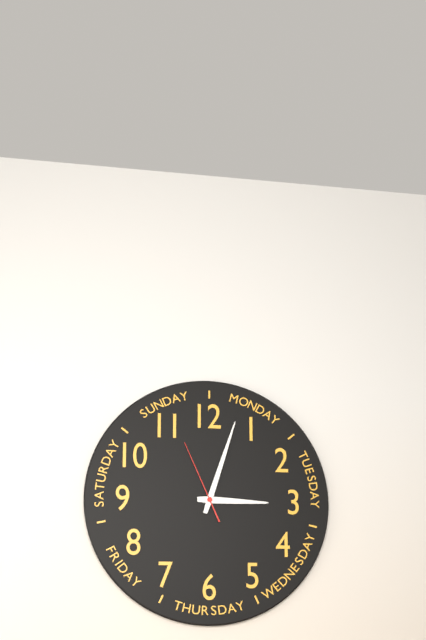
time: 3:03:56
